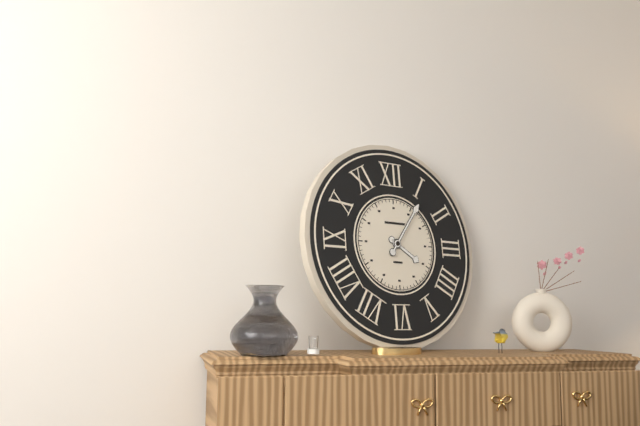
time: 4:06
